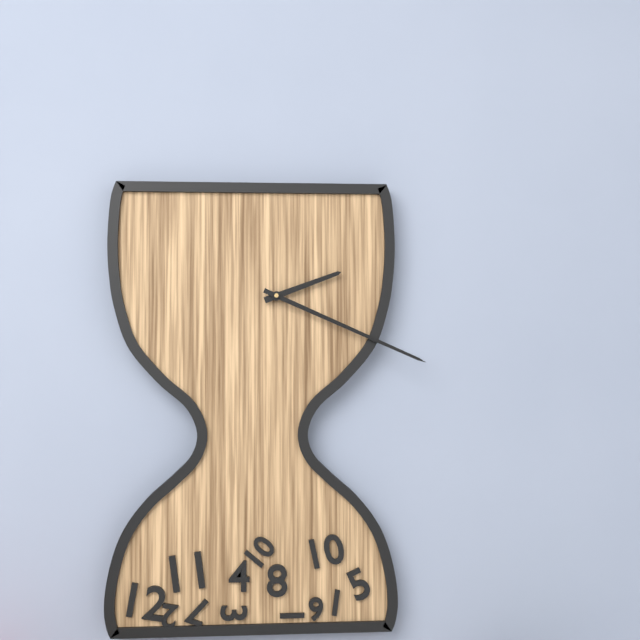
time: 2:19
